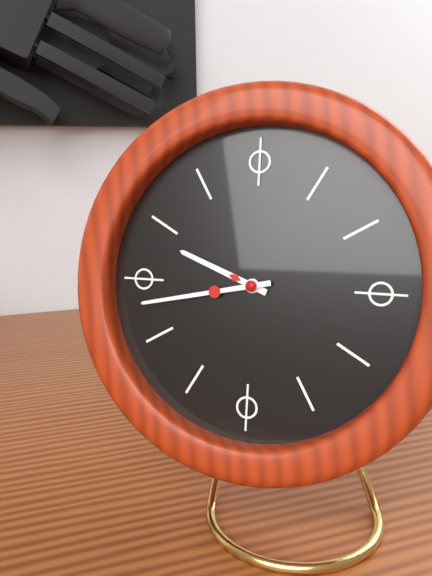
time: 9:43
